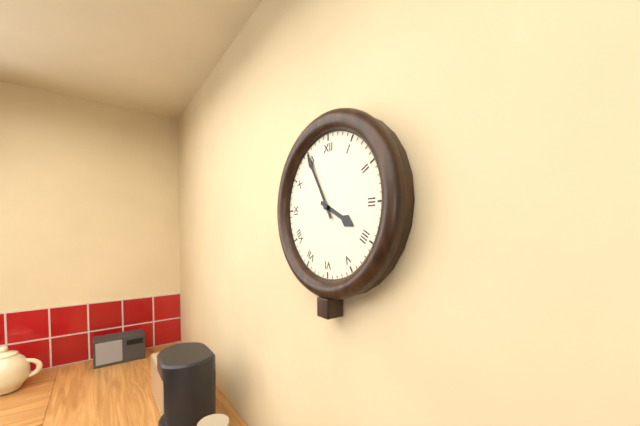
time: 3:55
